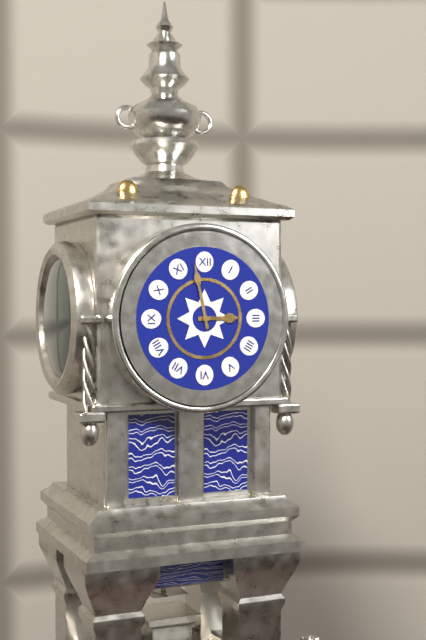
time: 2:58
